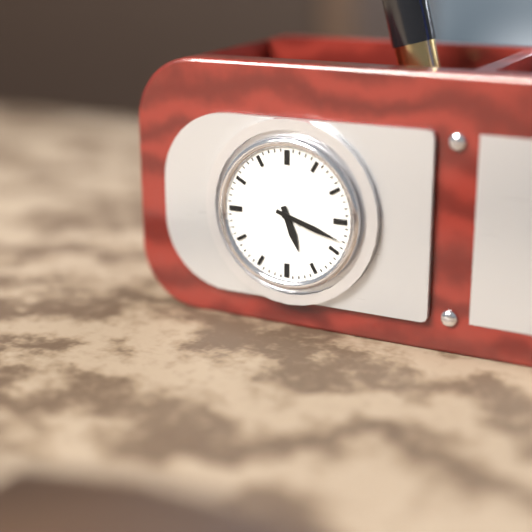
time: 5:18
